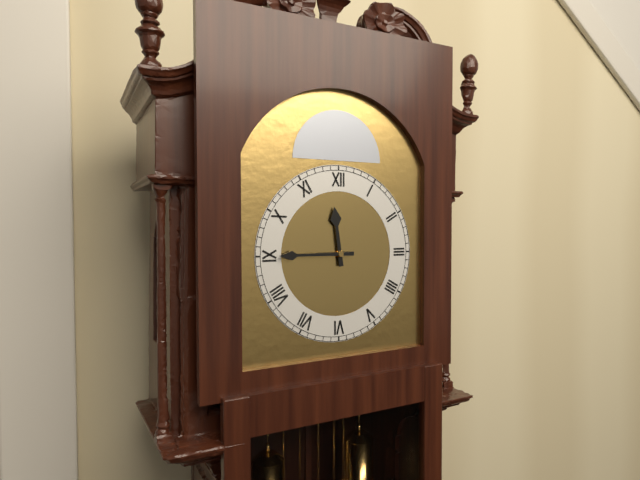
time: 11:45
